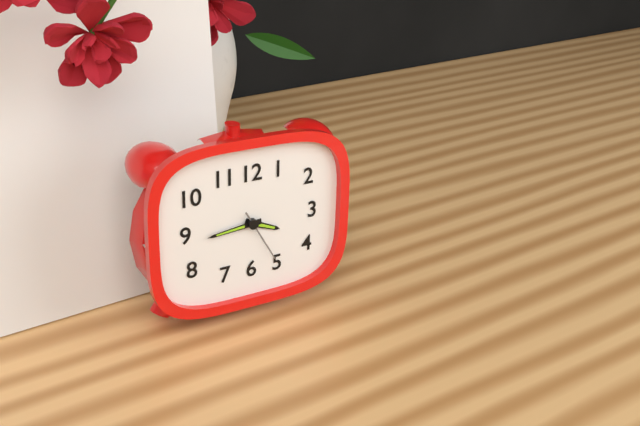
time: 3:44:25
